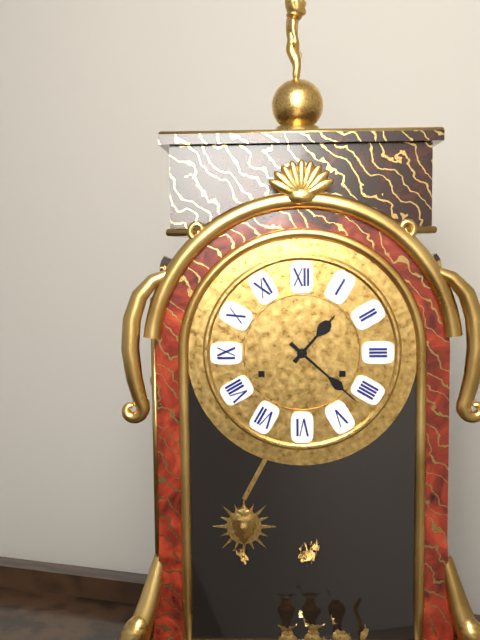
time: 1:22
